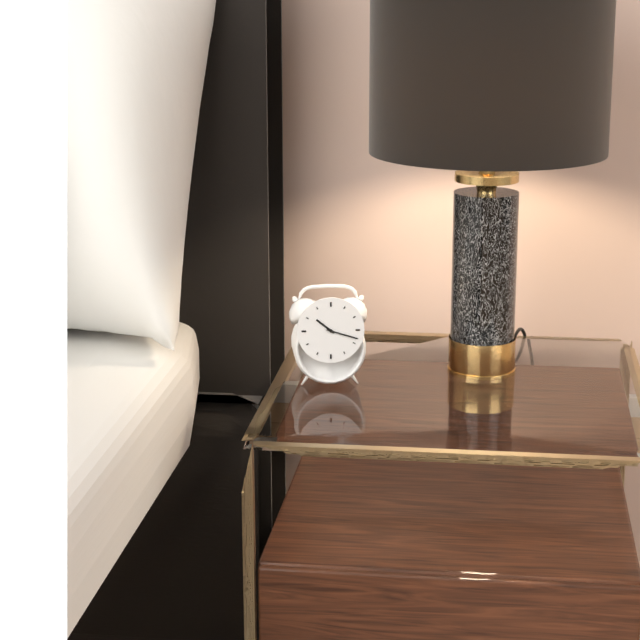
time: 10:18
